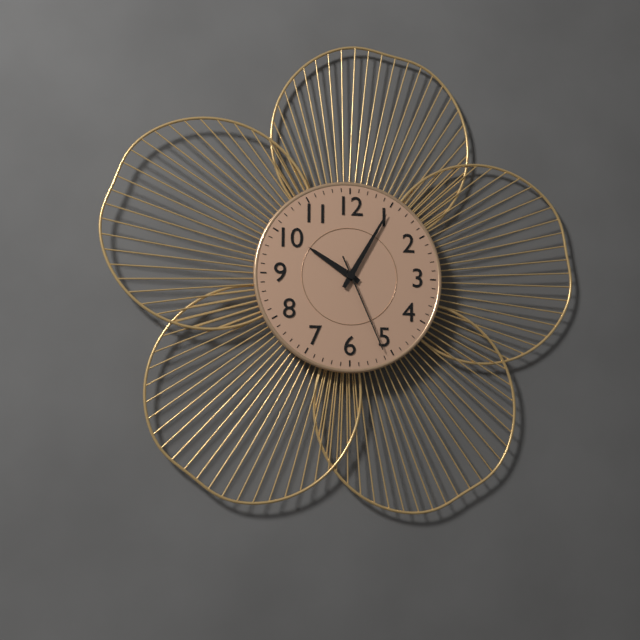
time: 10:05:26
